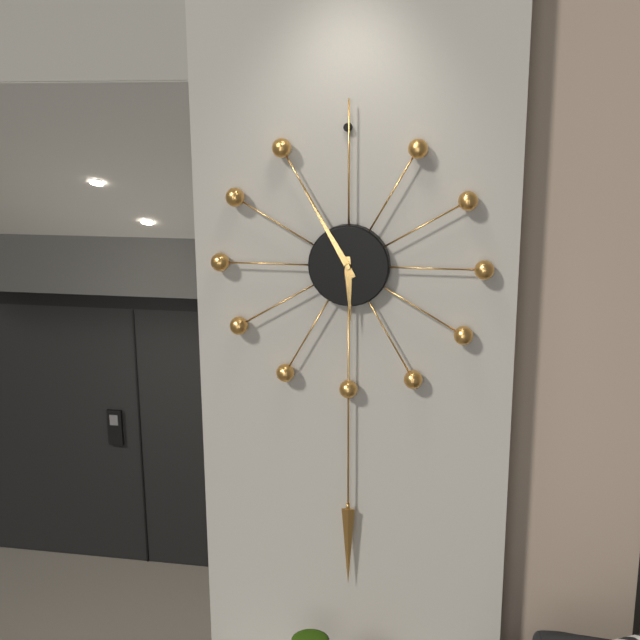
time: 5:55
